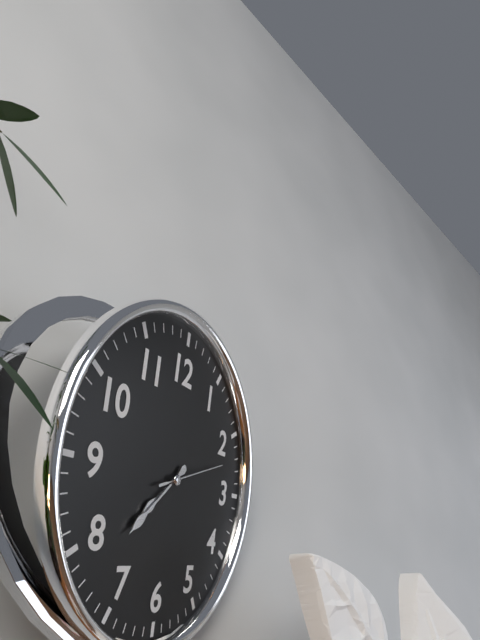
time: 7:38:12
